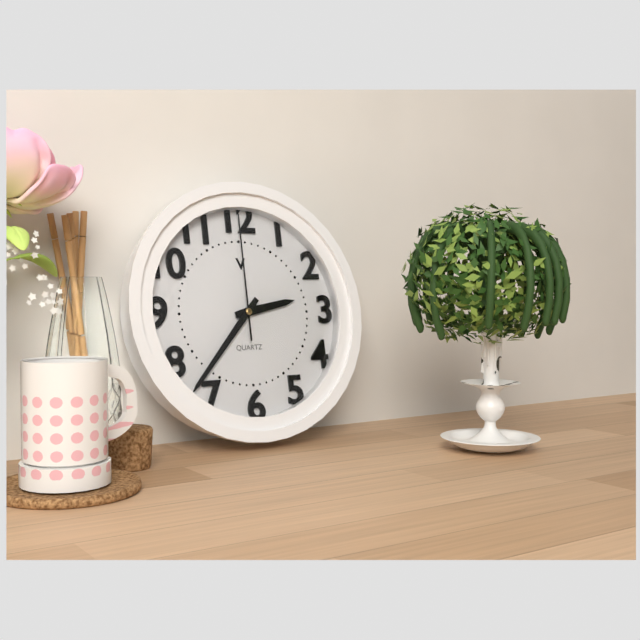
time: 2:37:00
